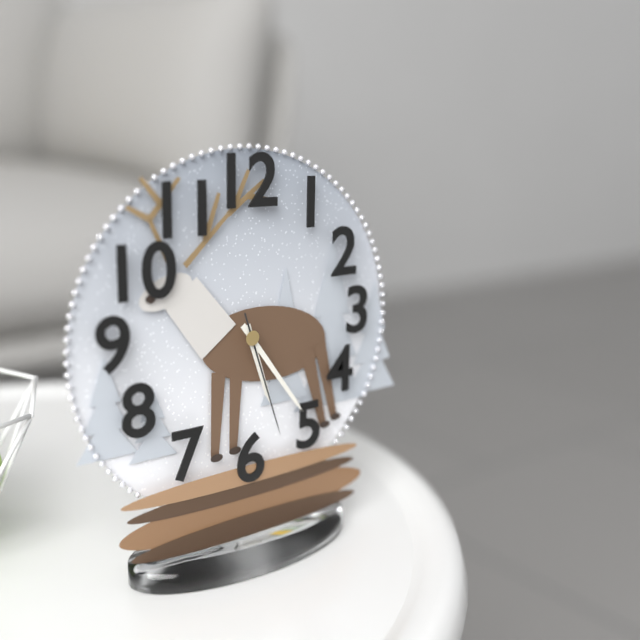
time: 5:24:27
